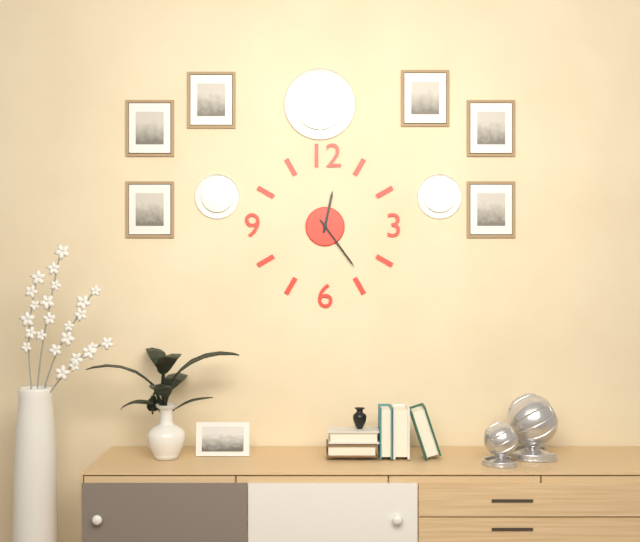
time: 12:24
